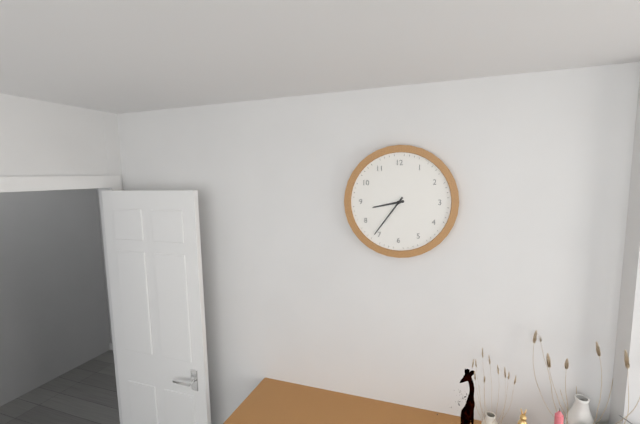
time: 8:36
